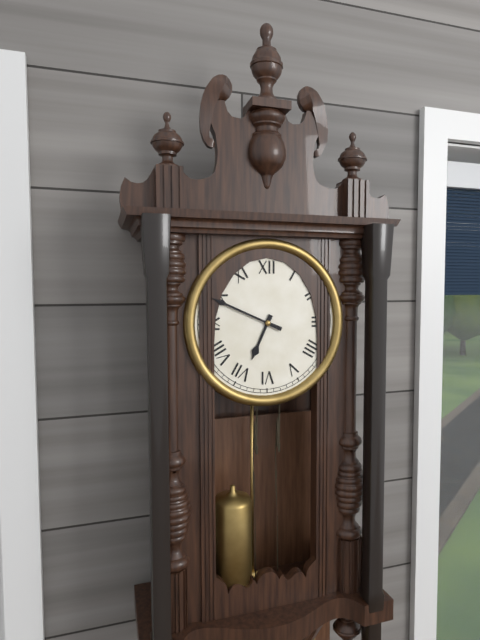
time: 6:49
